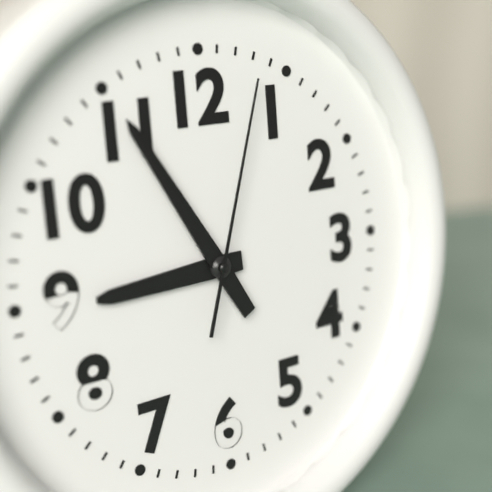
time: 8:55:03
